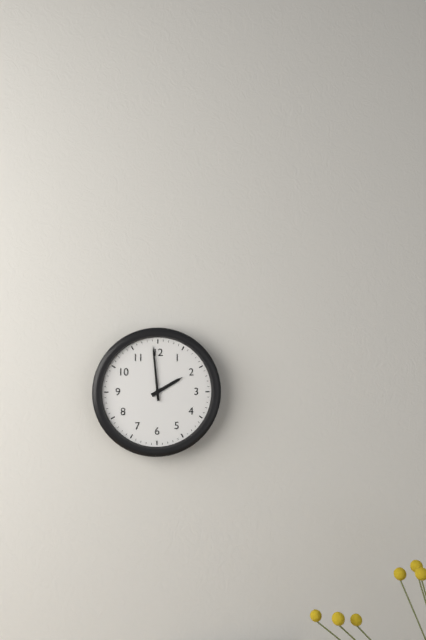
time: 1:59
